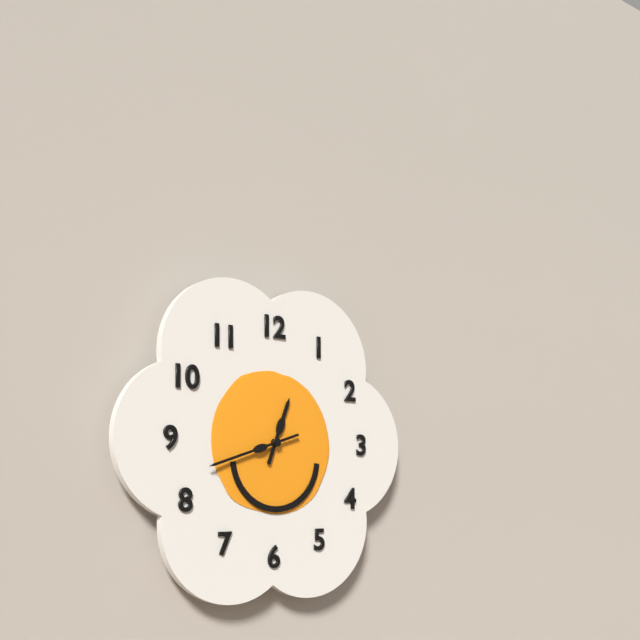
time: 12:42
